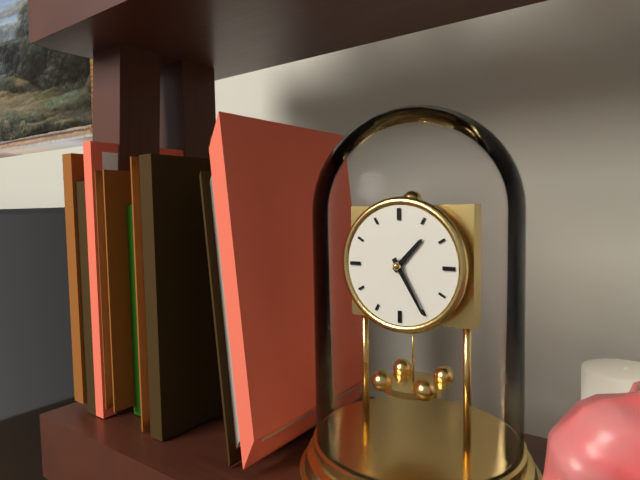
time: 1:25
